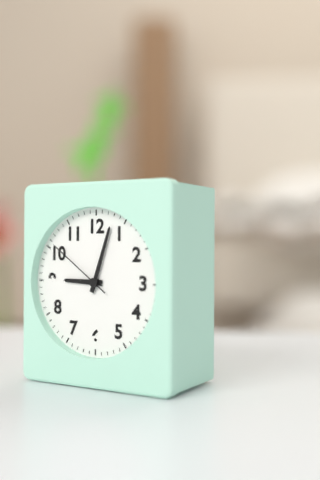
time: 9:03:51
